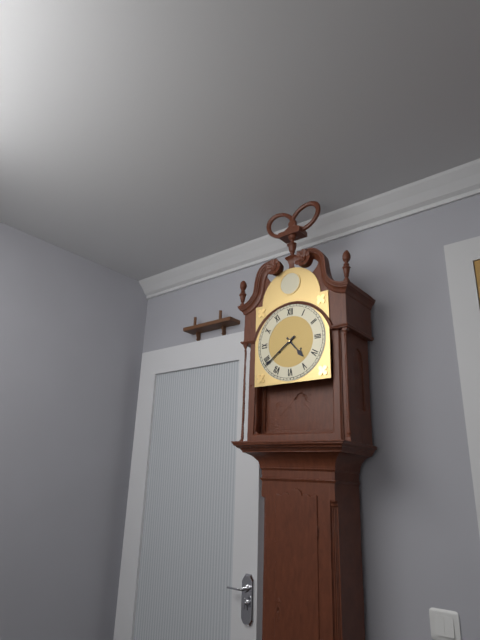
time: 4:39
